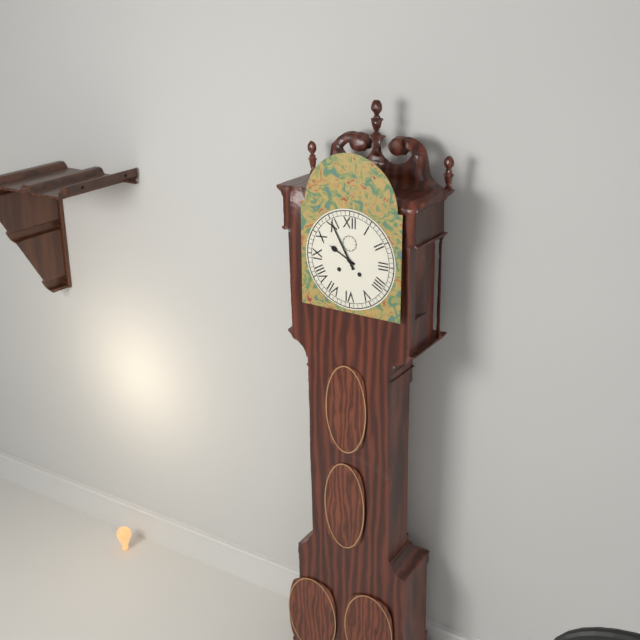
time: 9:55
